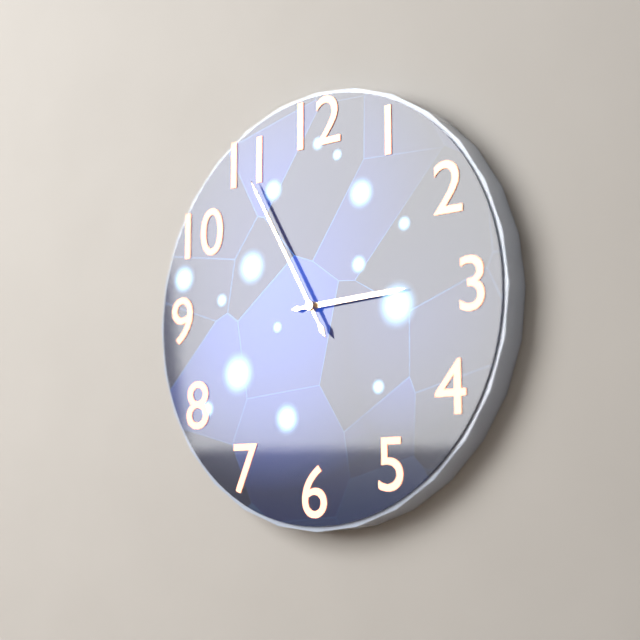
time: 2:55
